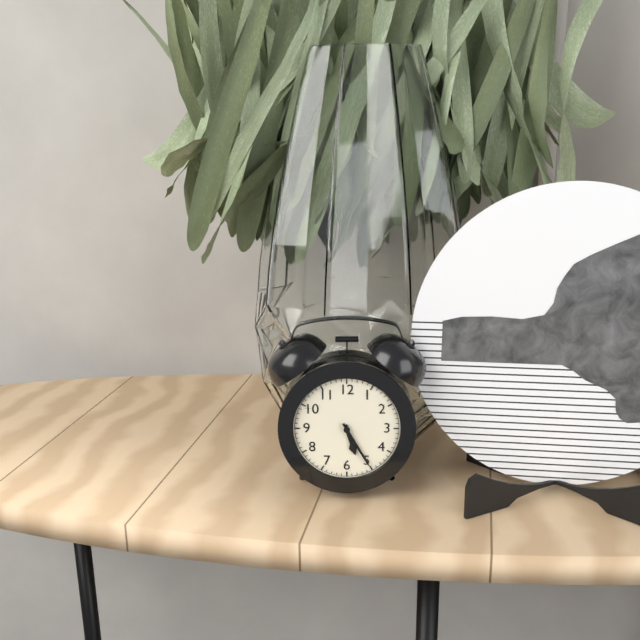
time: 5:25
